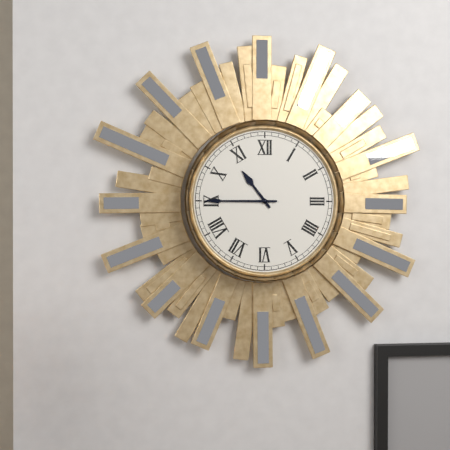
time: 10:45
